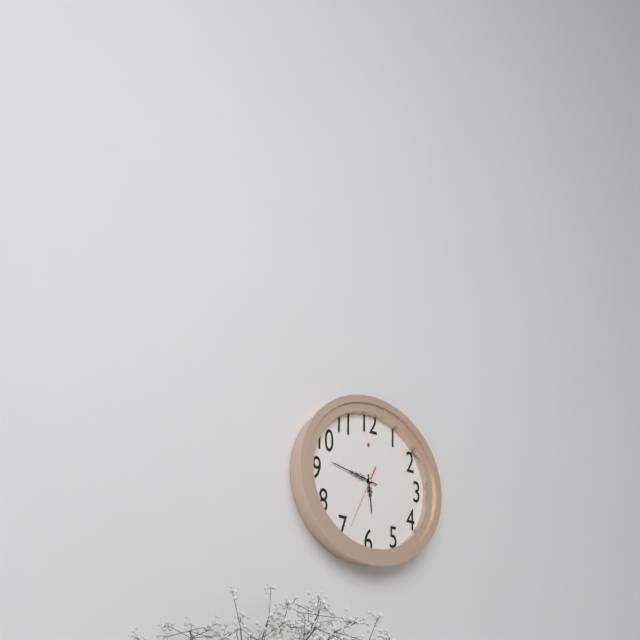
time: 5:47:34
